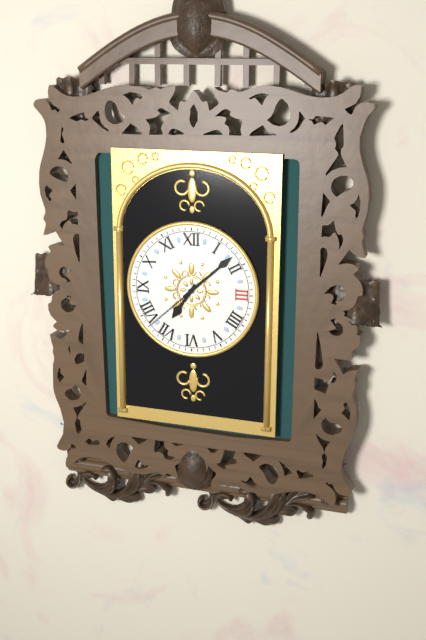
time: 7:08:38
